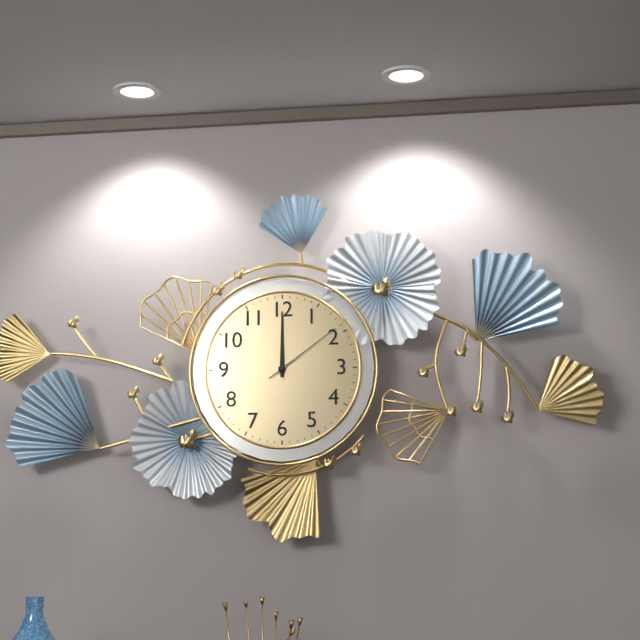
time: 12:00:09
